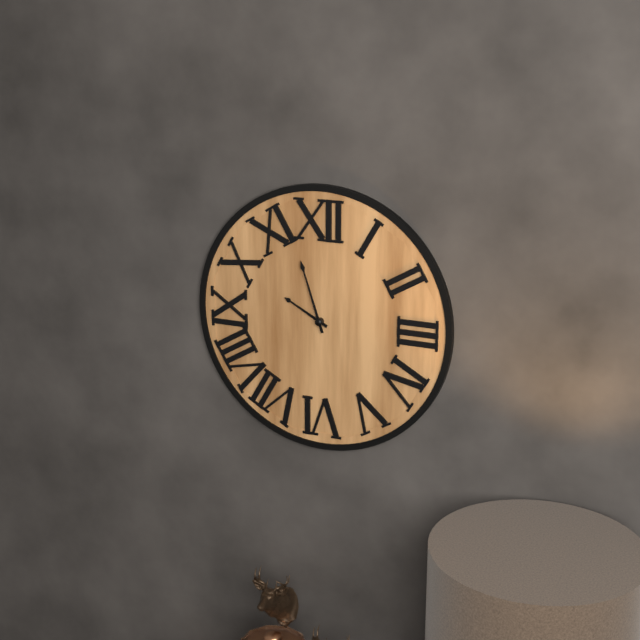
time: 9:57
